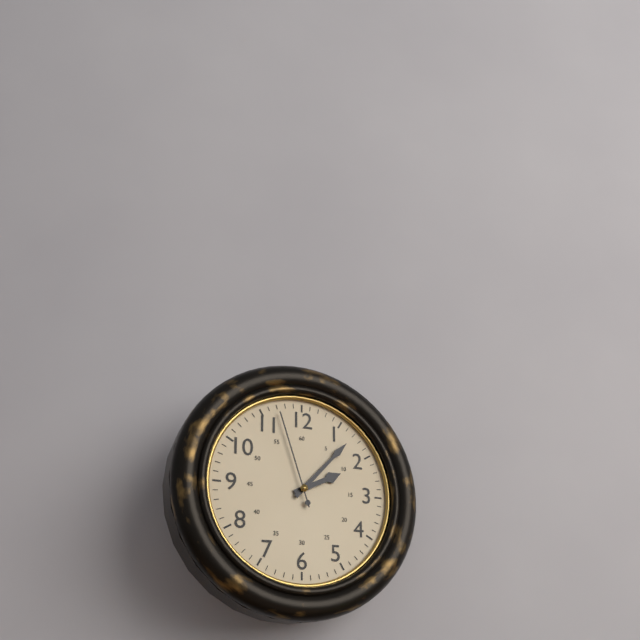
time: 2:07:57
